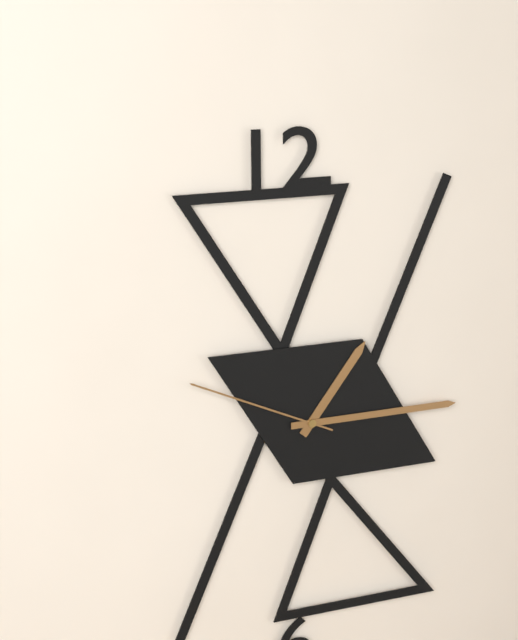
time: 1:15:49
